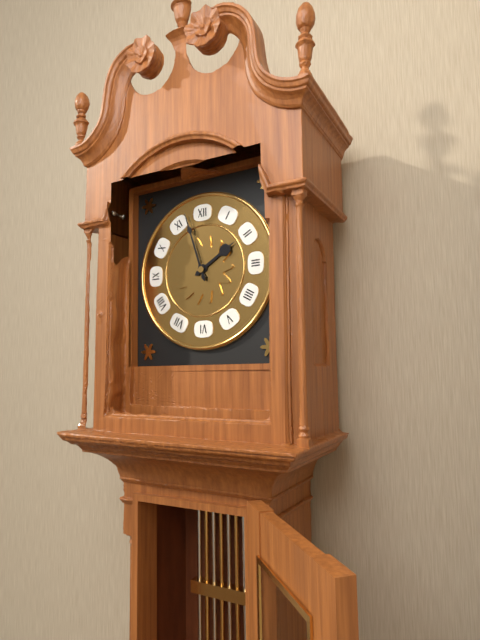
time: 1:57
